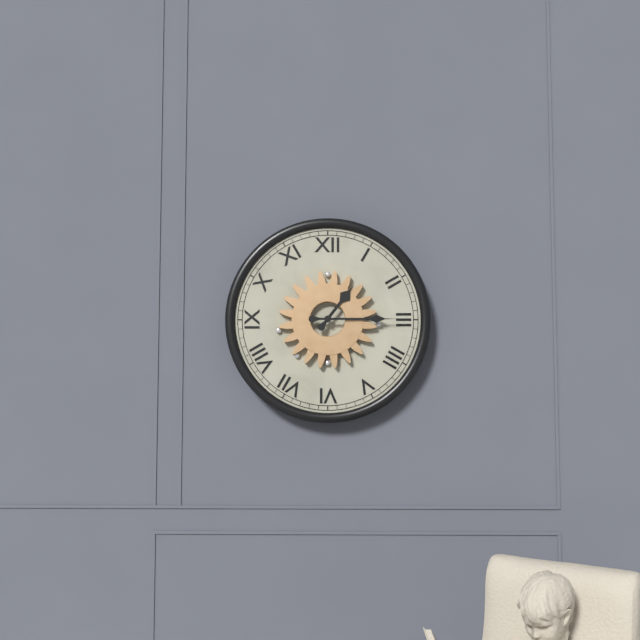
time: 1:15
